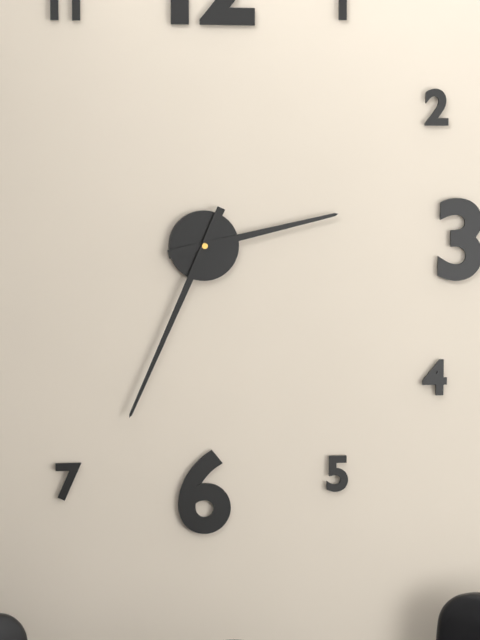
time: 2:34
